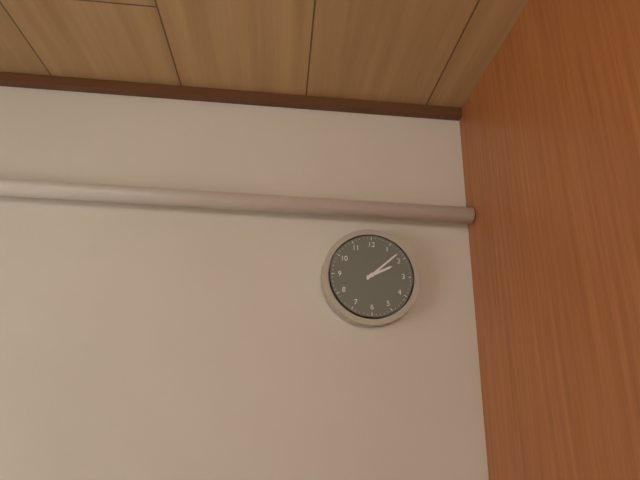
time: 2:08
